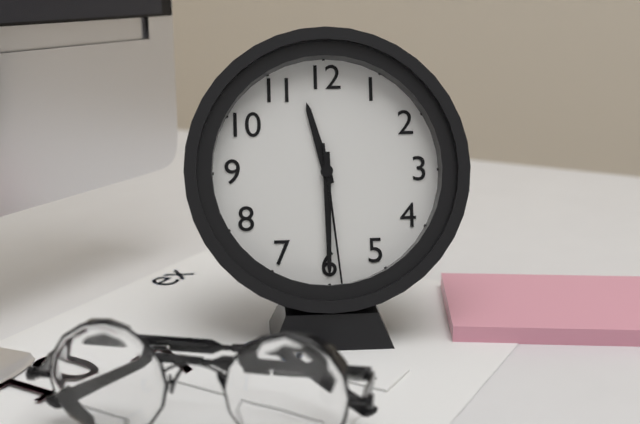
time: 11:30:29
